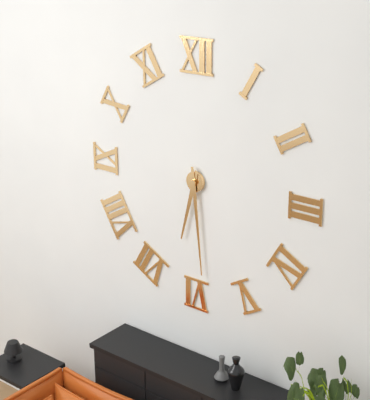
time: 6:29
